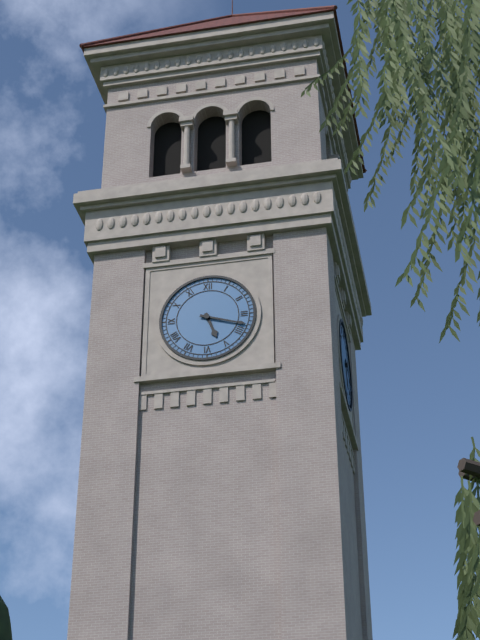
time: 5:18
